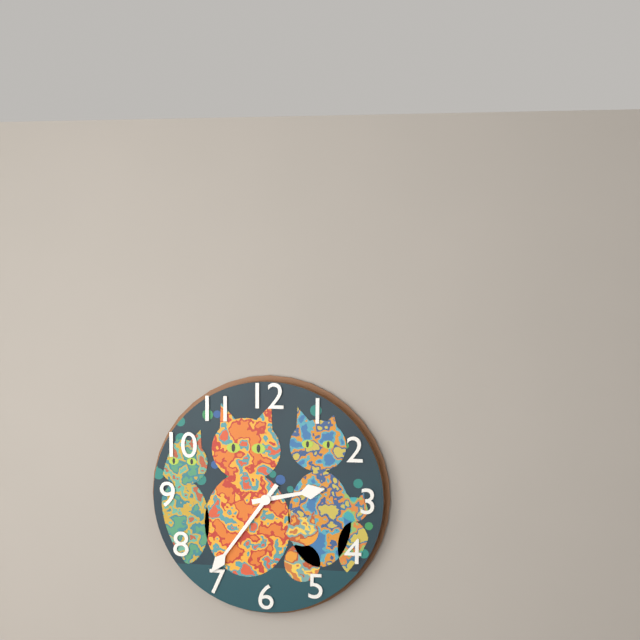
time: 2:36
